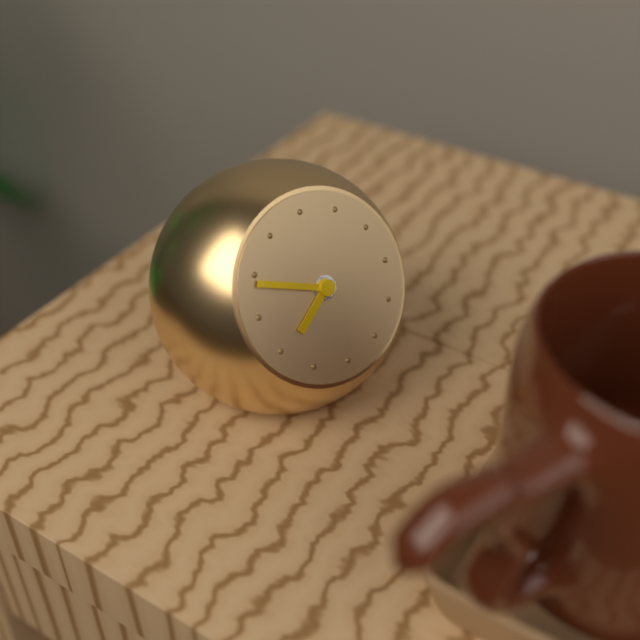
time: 7:49
